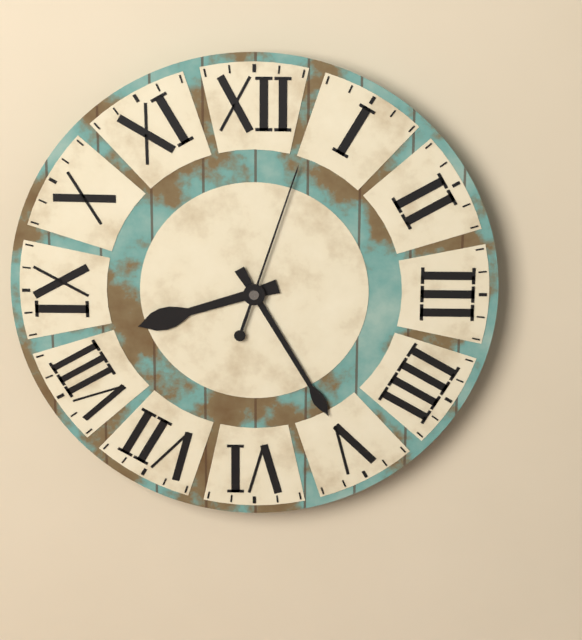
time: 8:25:03
